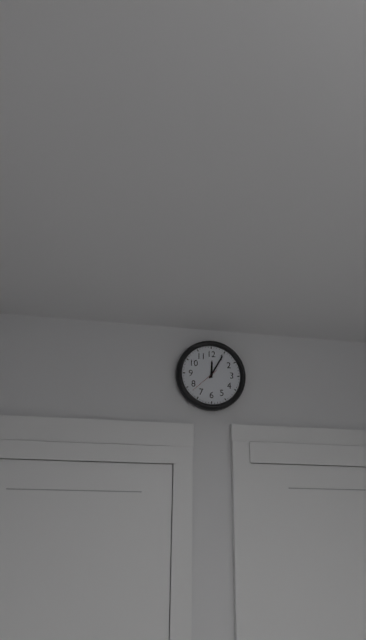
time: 12:05
